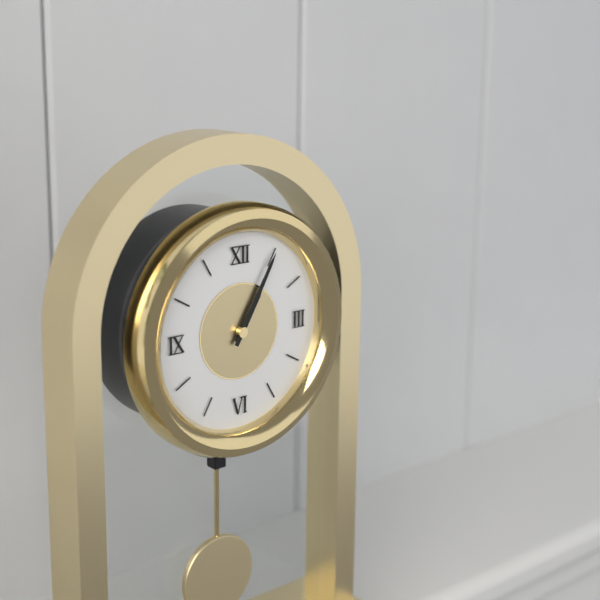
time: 1:05
